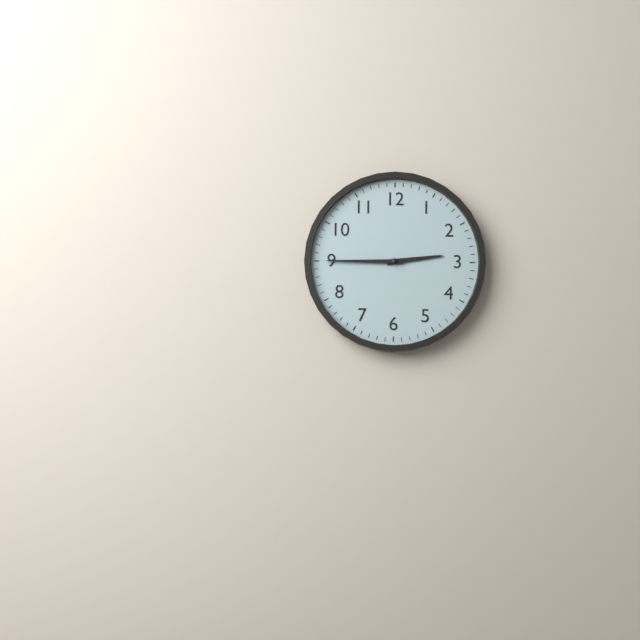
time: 2:45
